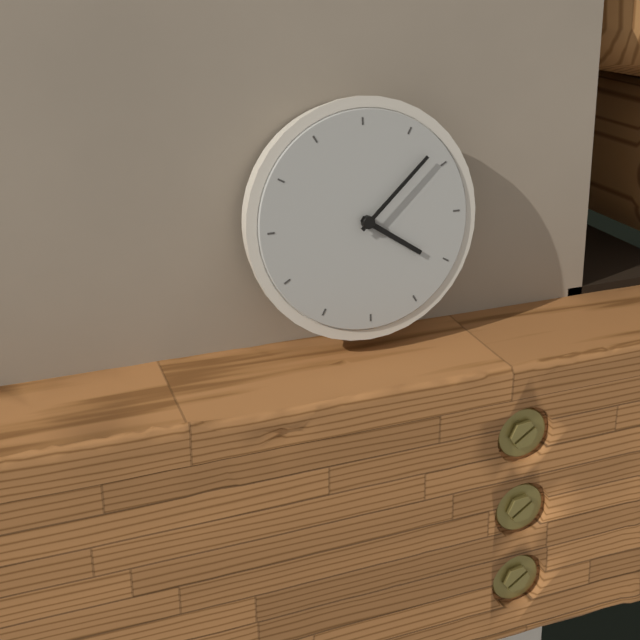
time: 4:08
